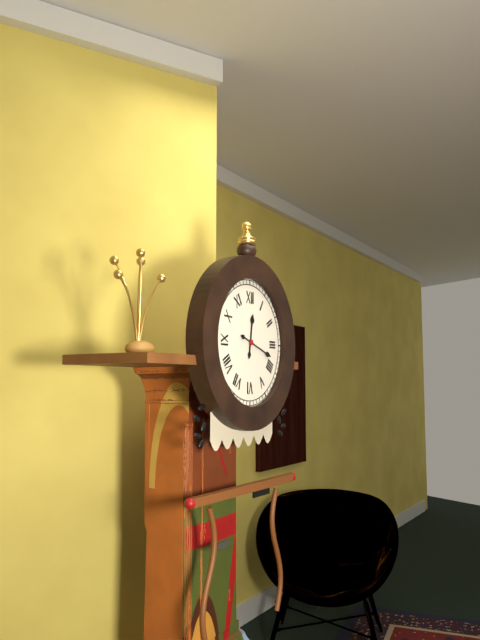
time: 12:18
